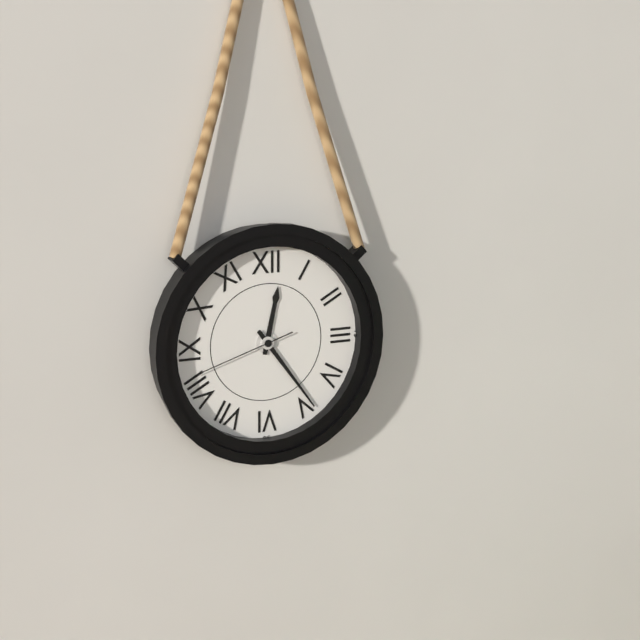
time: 12:24:42
